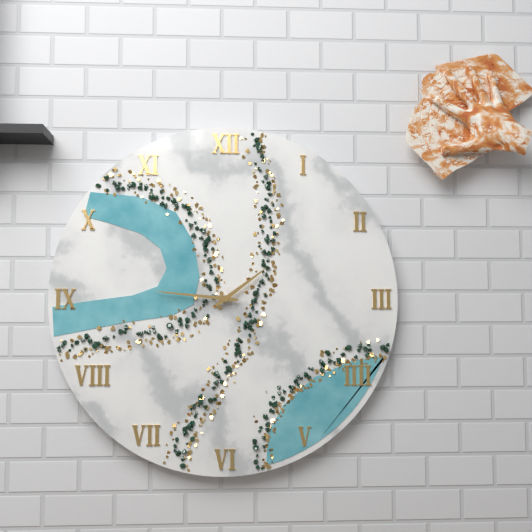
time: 1:46
